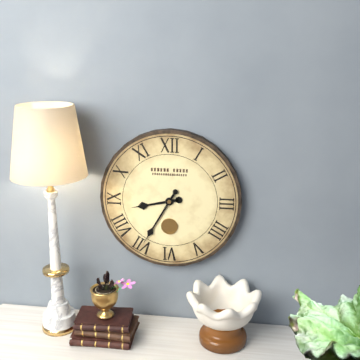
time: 8:35
